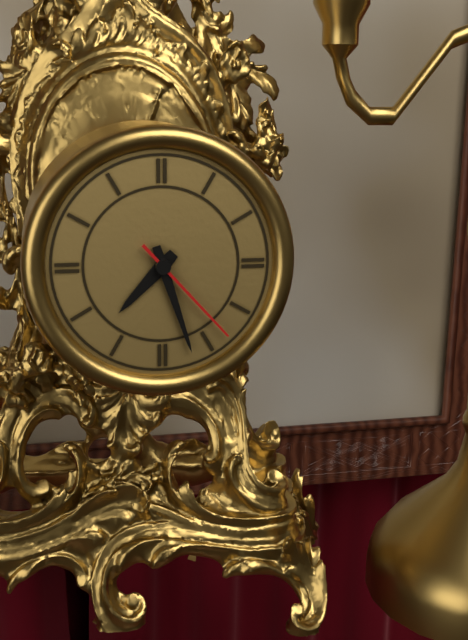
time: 7:27:23
